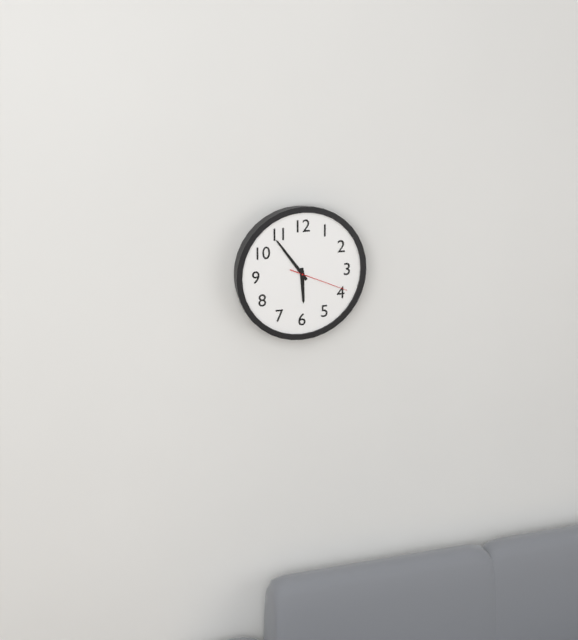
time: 5:54:19
